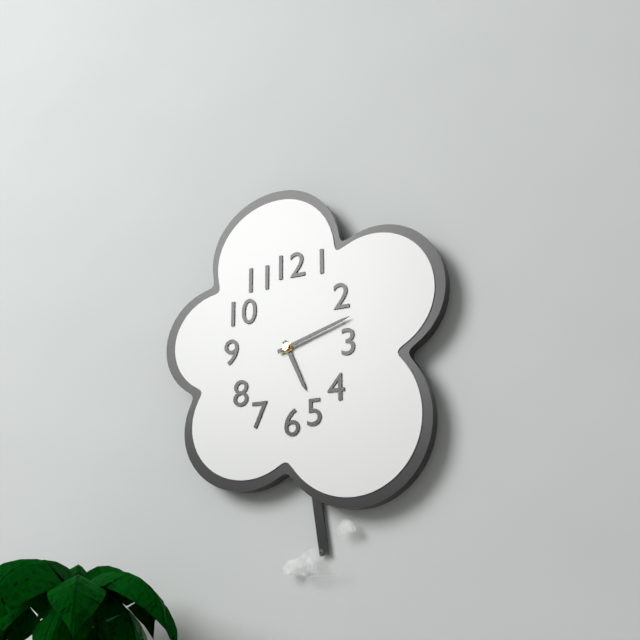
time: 5:12
